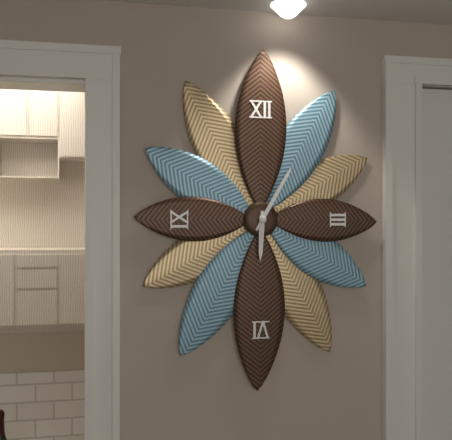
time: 6:05
